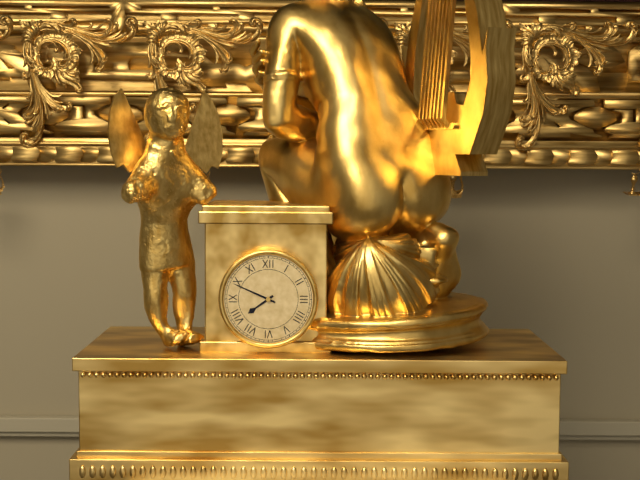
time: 7:49
